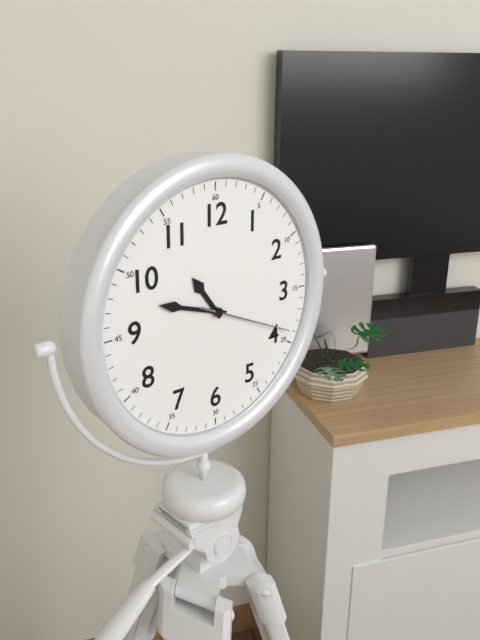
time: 10:48:19
